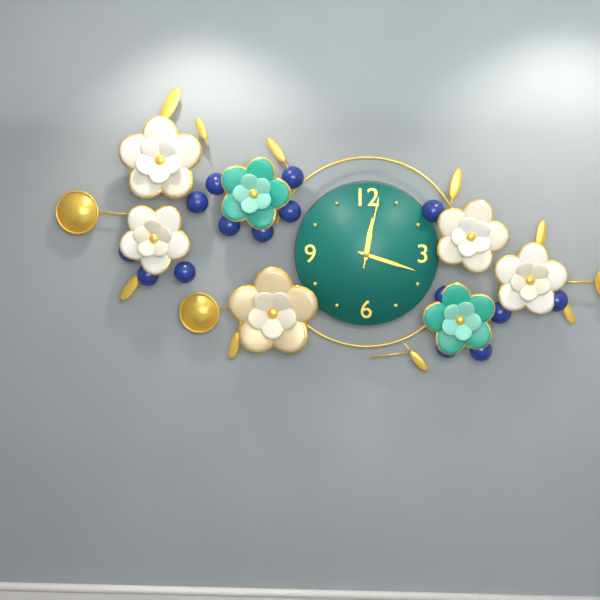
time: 12:18:02
